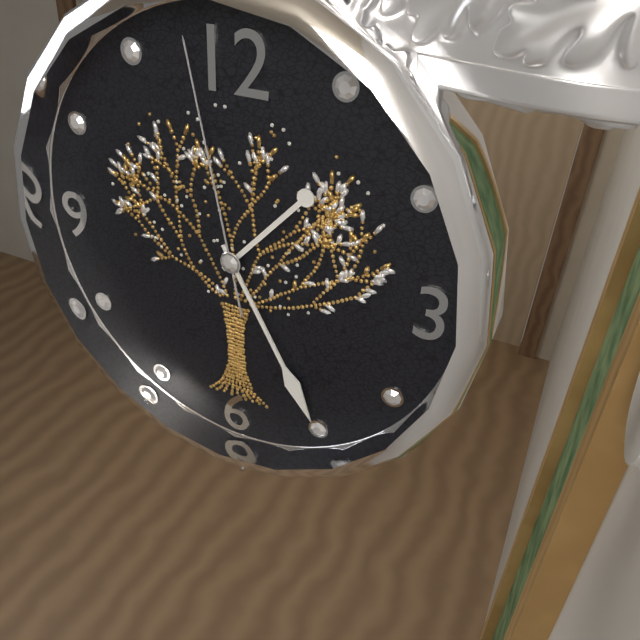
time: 1:25:58
